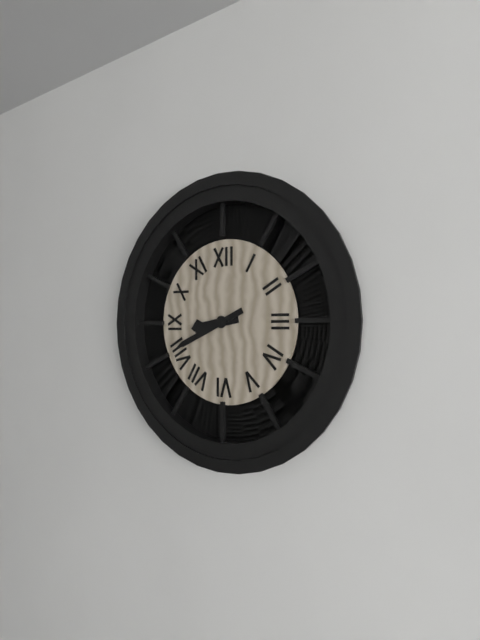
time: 8:41
